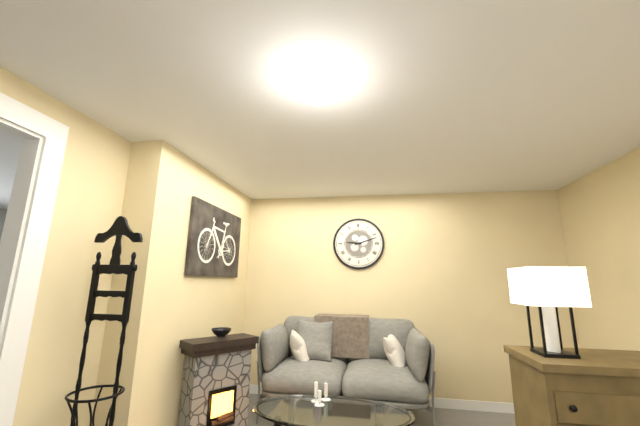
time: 9:12
